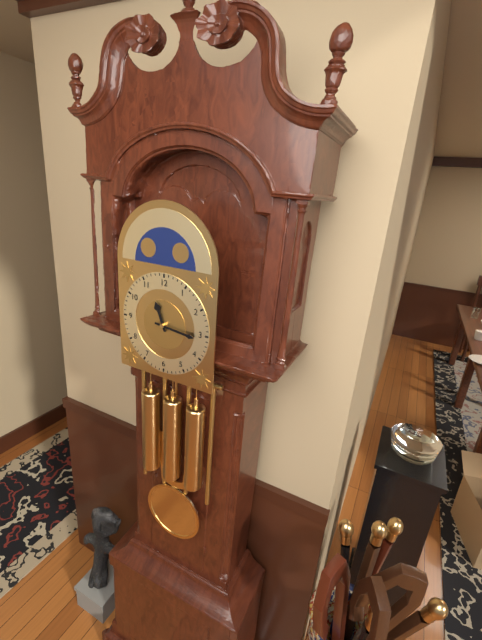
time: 11:16
